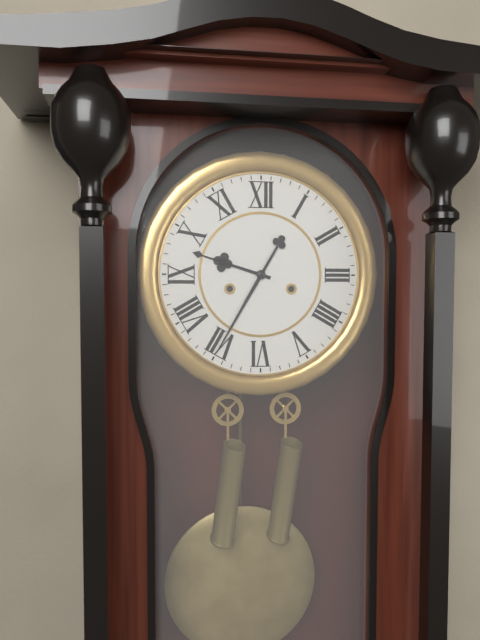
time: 9:35
